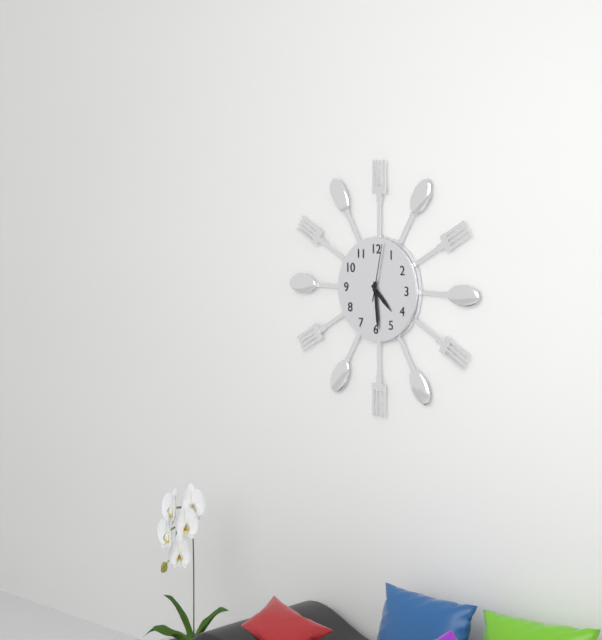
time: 4:29:02
